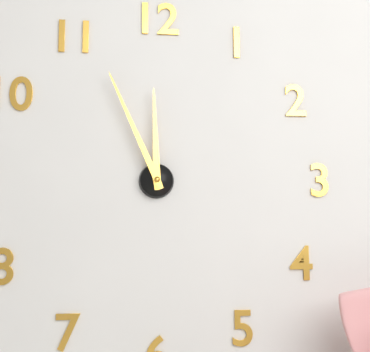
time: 11:56
